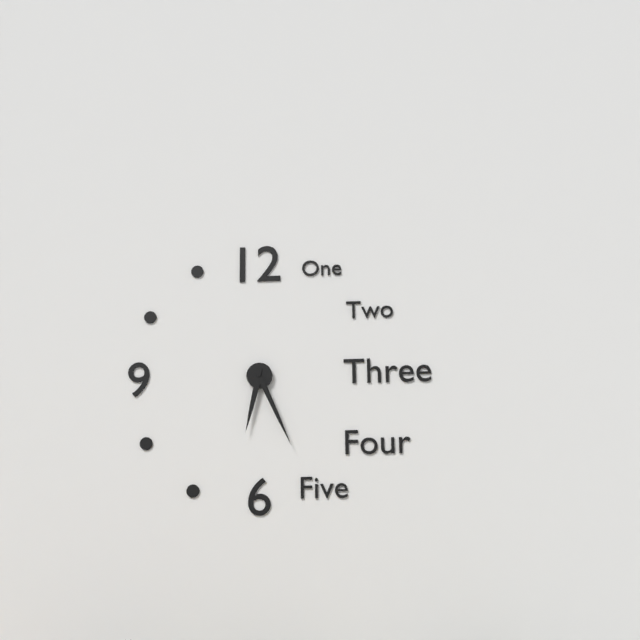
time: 6:26
